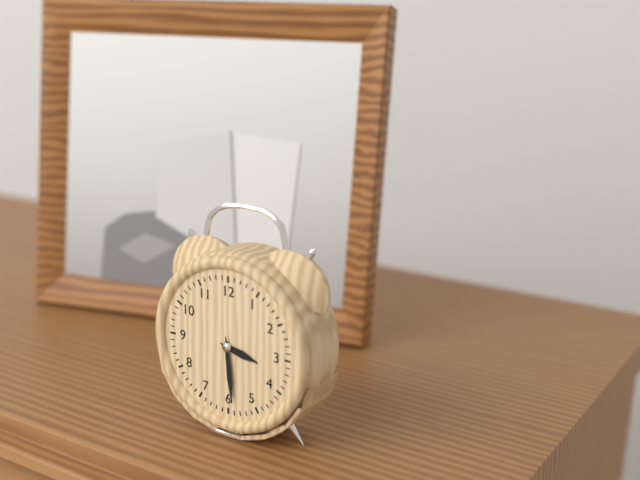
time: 3:29
